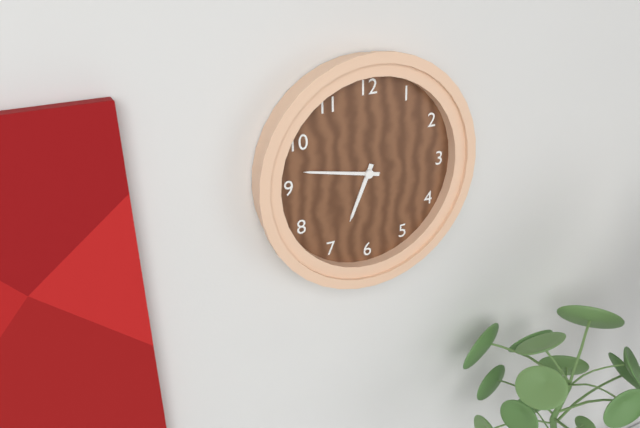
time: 6:47
